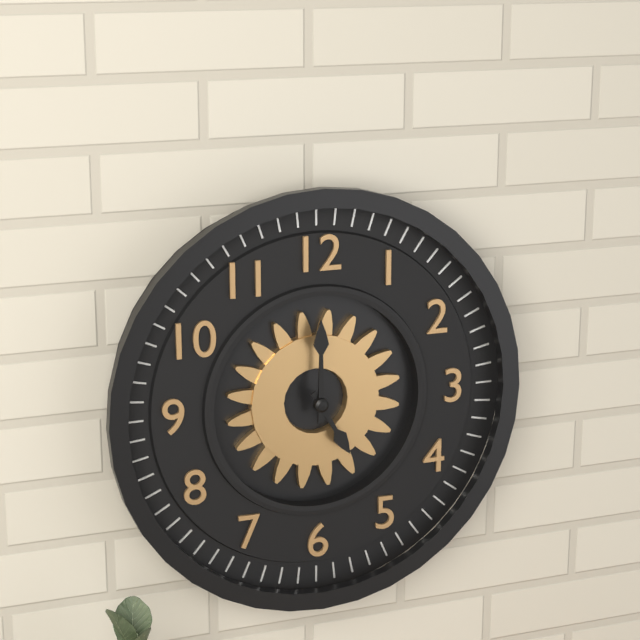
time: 5:00
